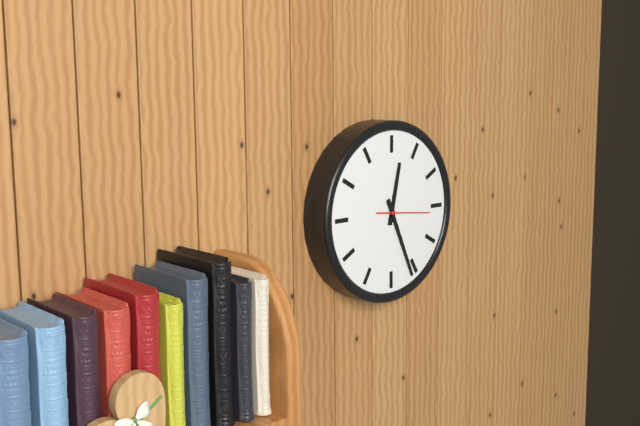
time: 12:26:16
